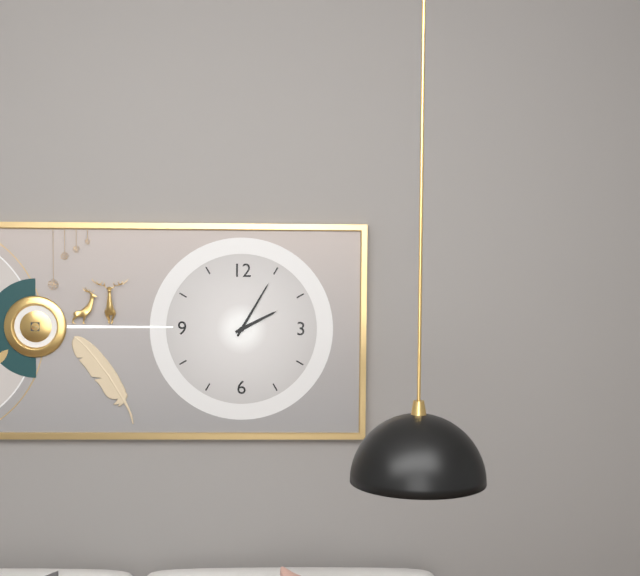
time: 2:05
